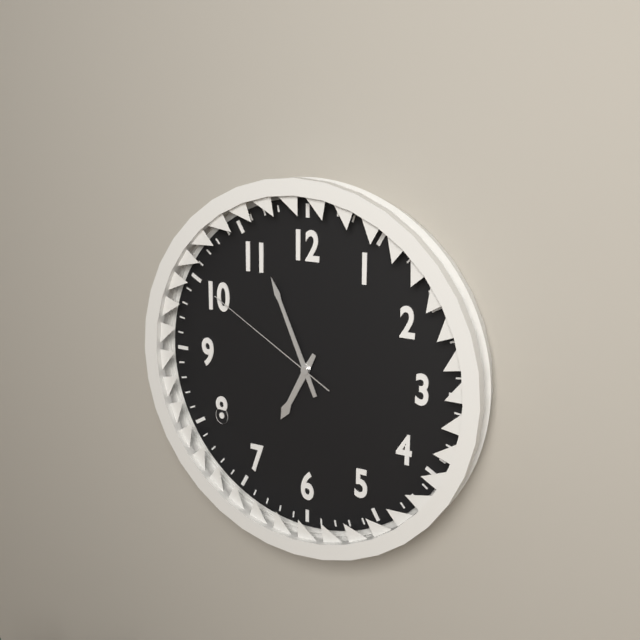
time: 6:56:50
